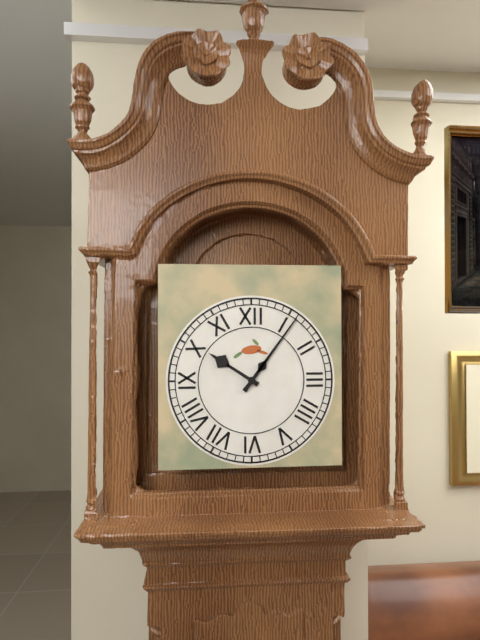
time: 10:06
